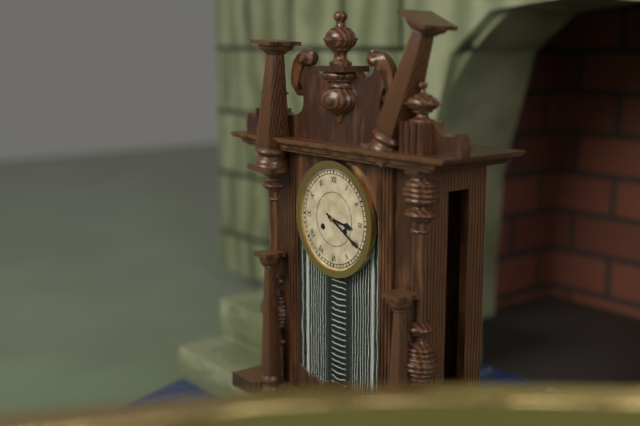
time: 3:20
